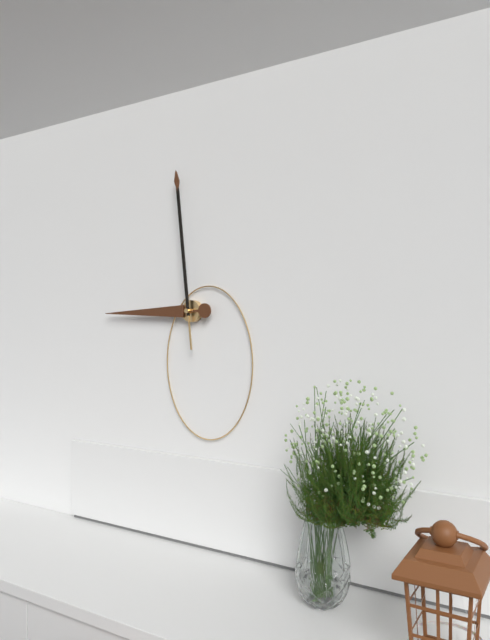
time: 8:59
